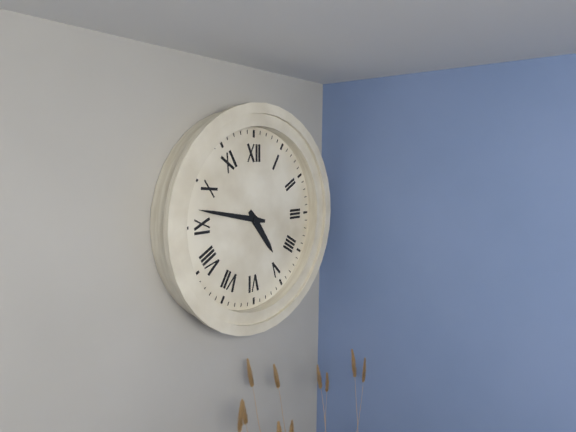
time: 4:47
